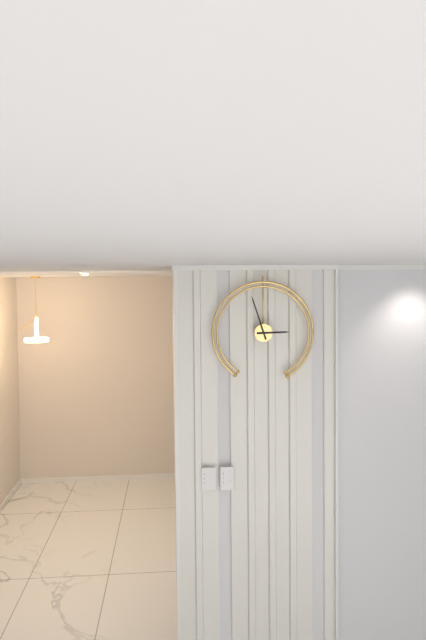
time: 2:57
